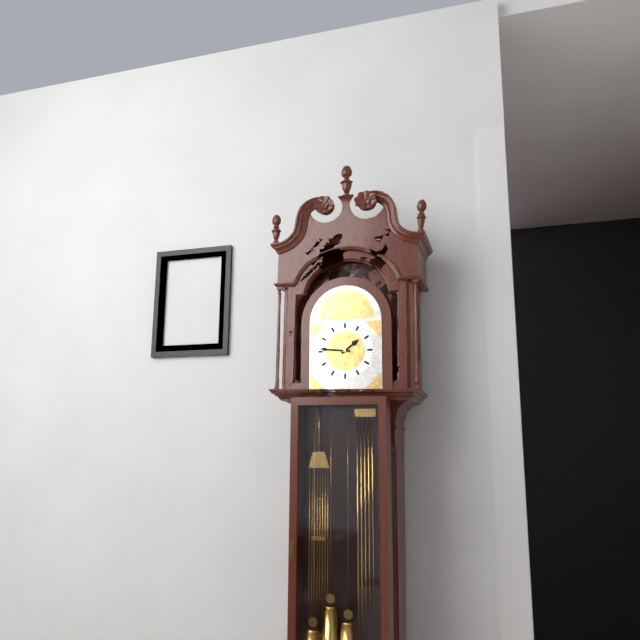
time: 1:46
